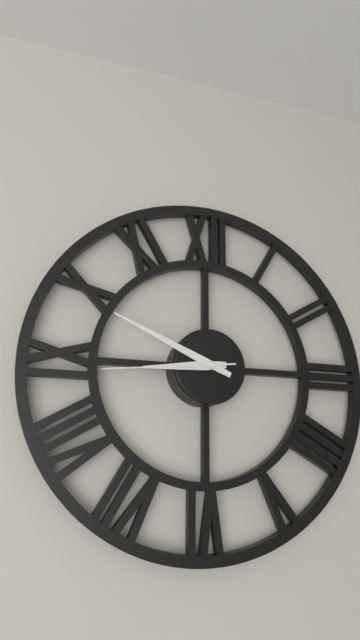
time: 8:49:44
